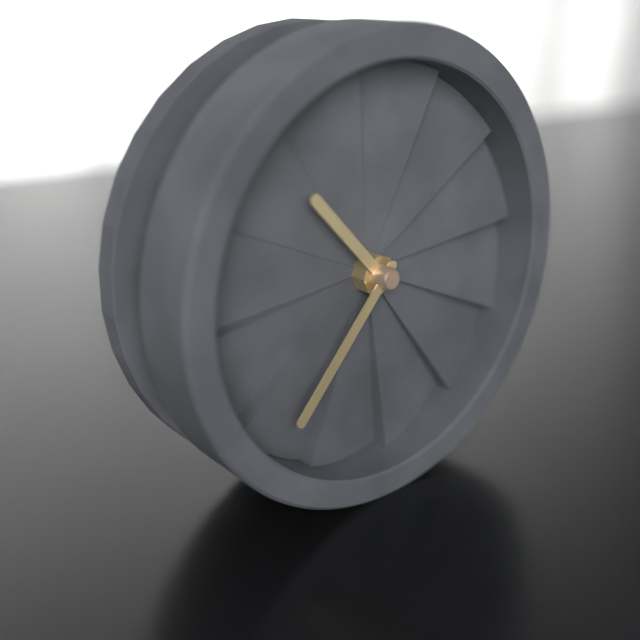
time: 10:37
